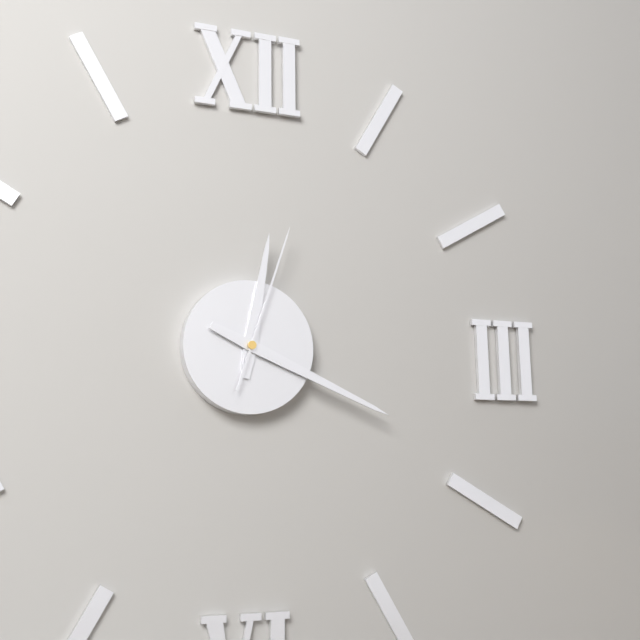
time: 12:19:03
